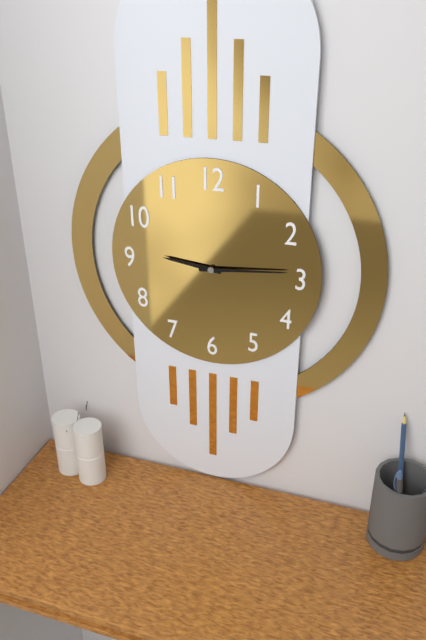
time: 9:14
